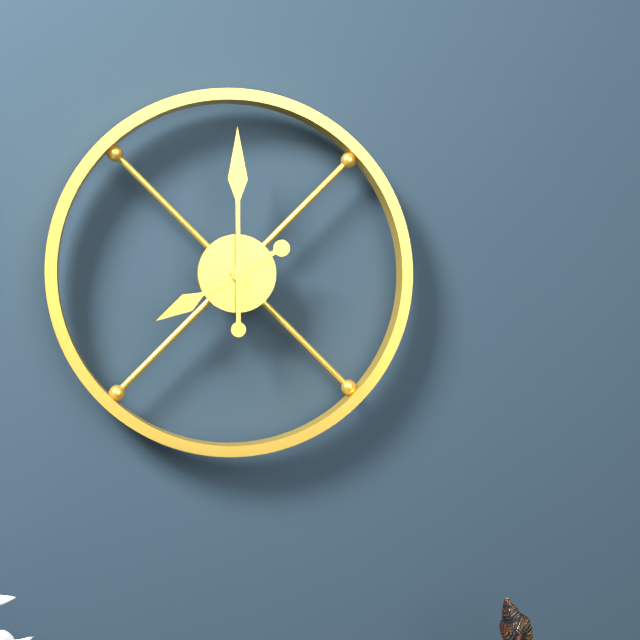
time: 8:00
